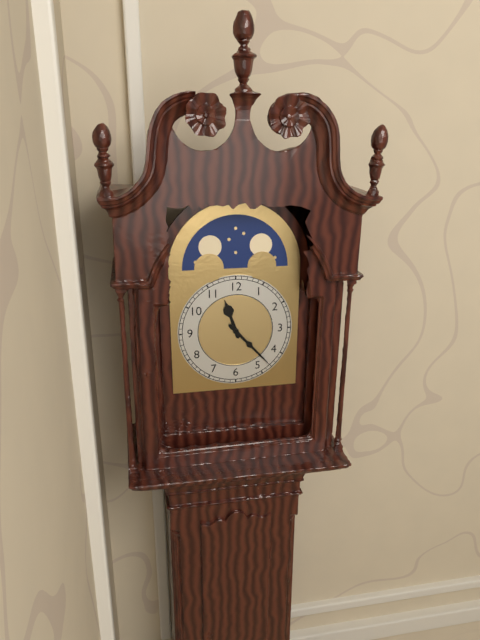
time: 11:23
